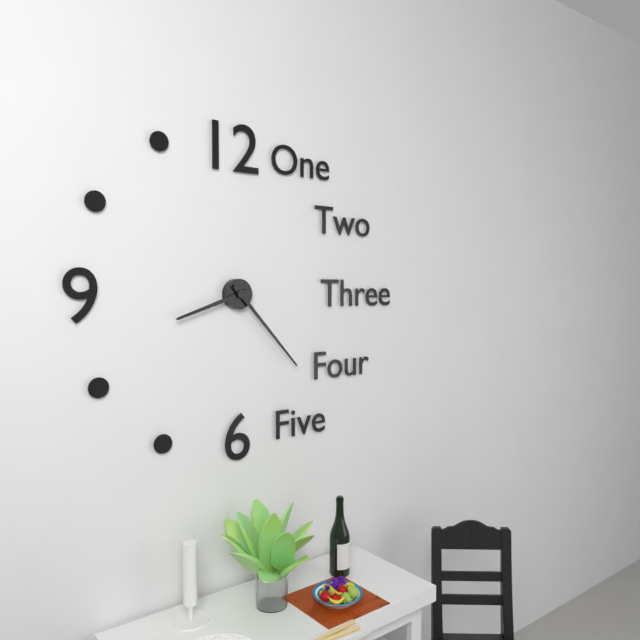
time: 8:23
